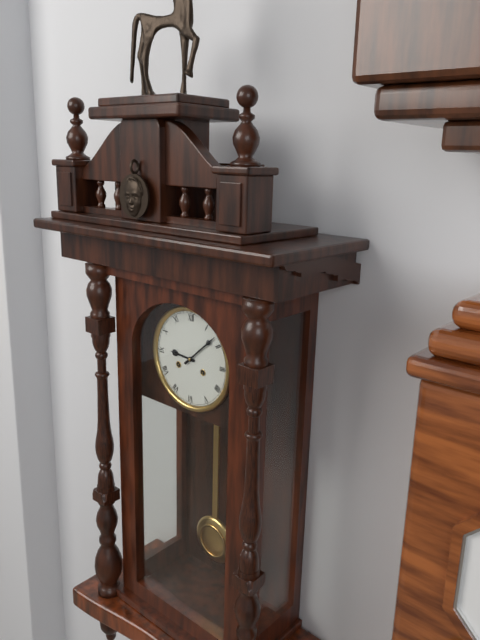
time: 9:08
